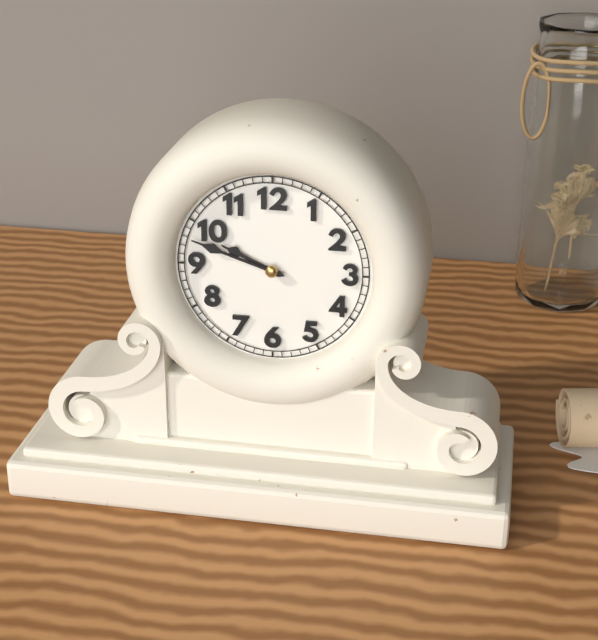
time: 9:48
